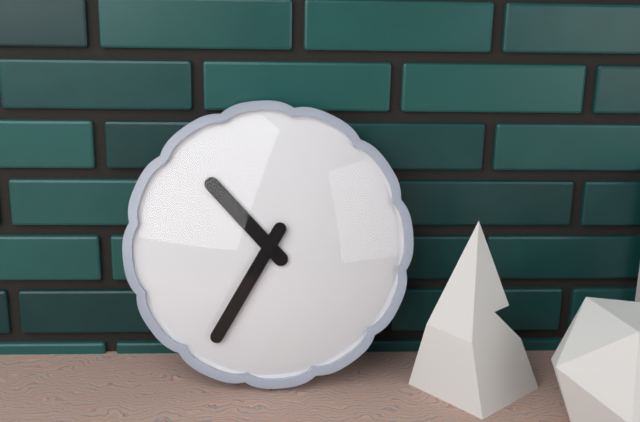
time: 10:35
